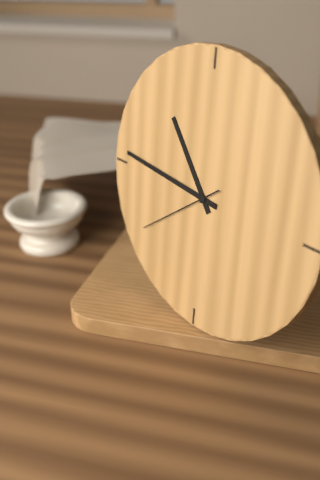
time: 10:46:39
